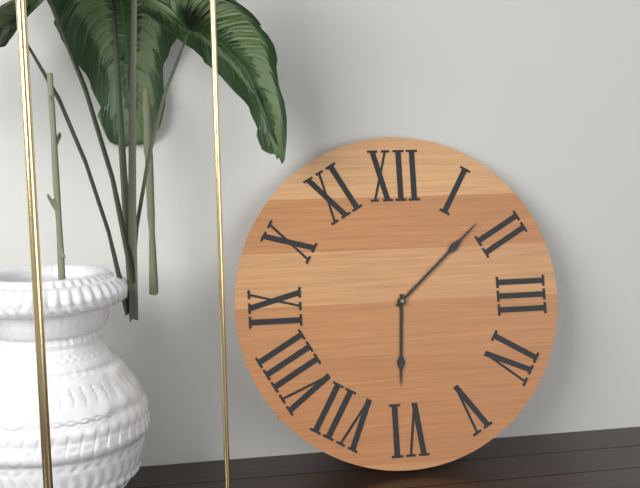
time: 6:08
